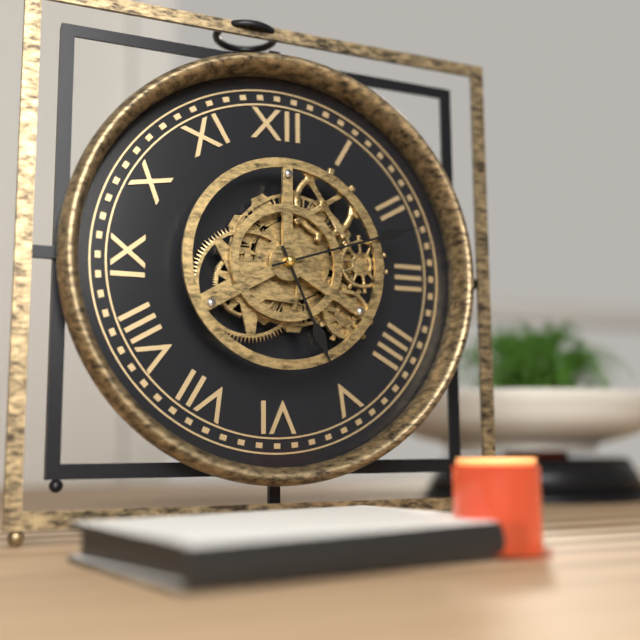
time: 5:12
